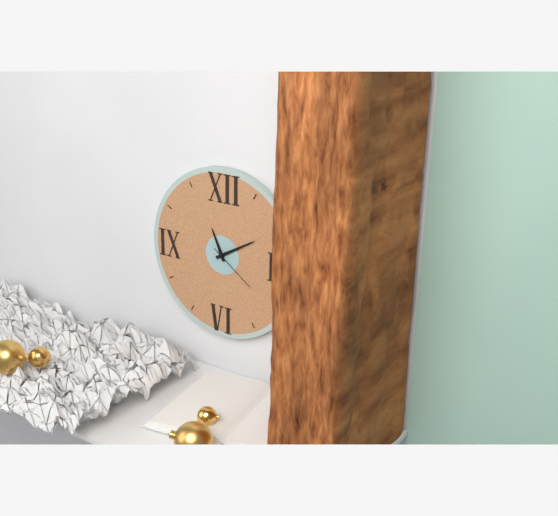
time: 11:10:21
